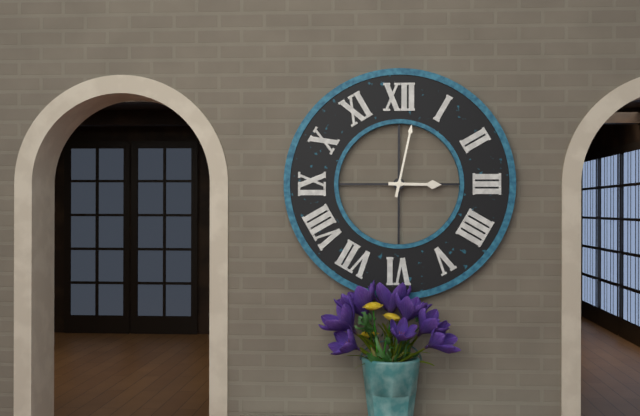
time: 3:02
